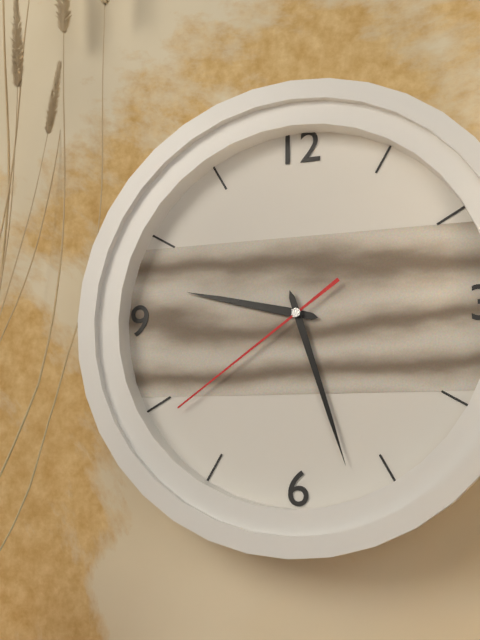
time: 9:27:39
